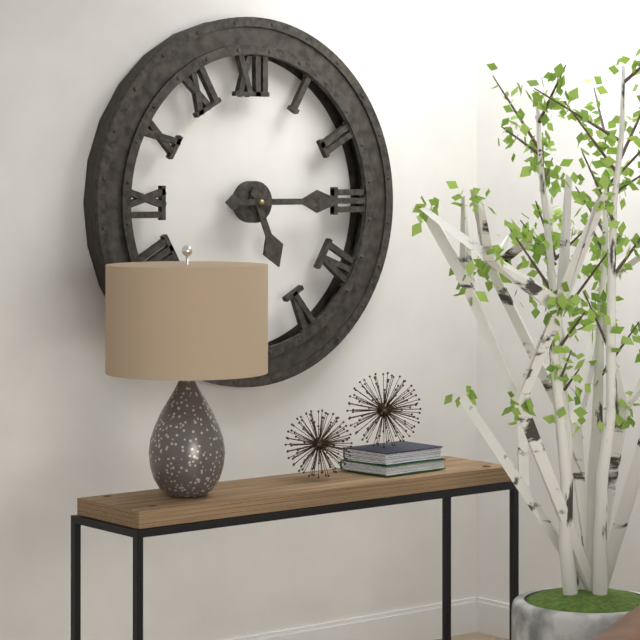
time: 5:15
